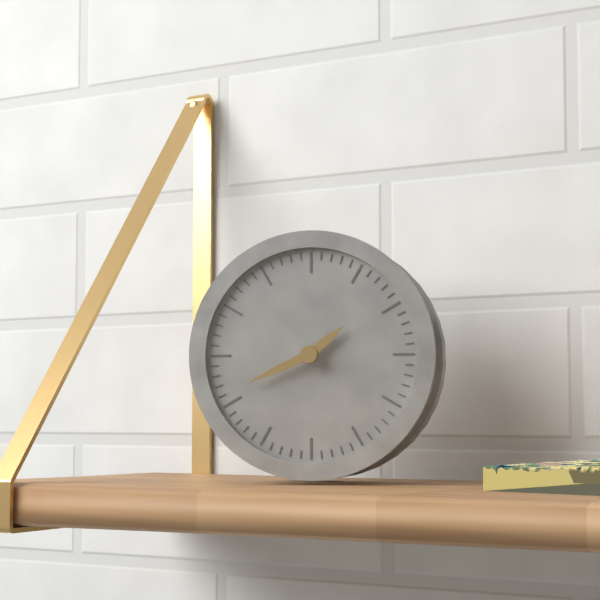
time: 1:41
